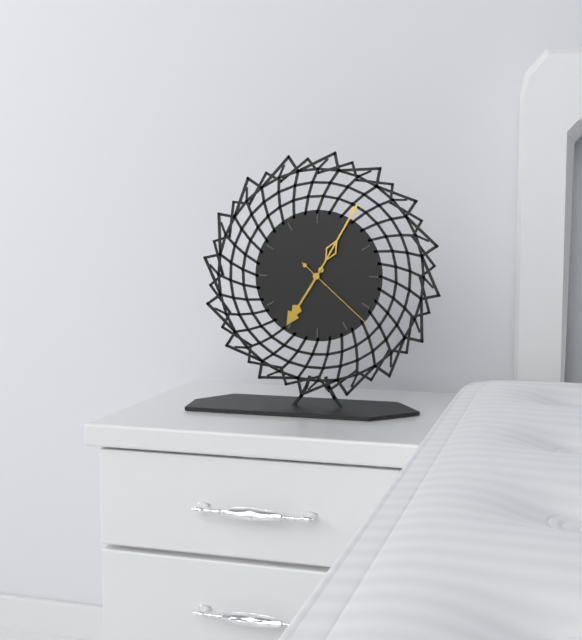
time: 7:05:22
